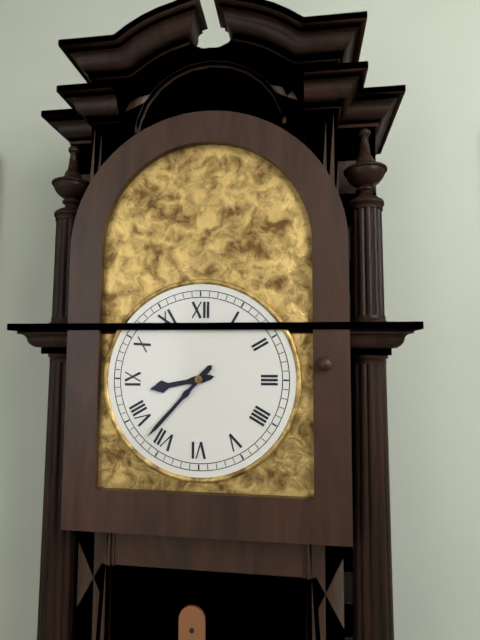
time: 8:37
